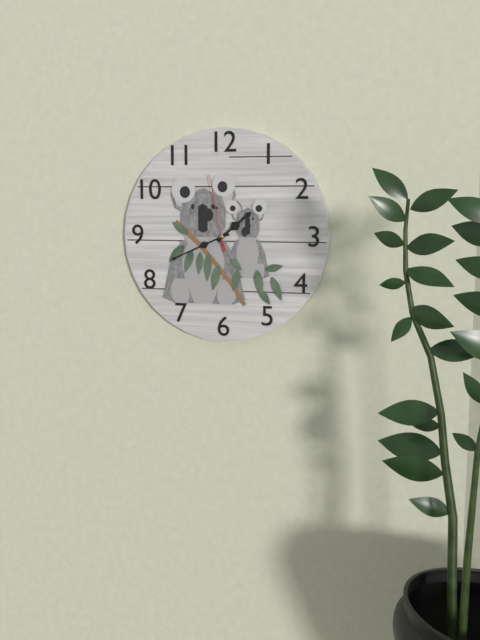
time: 1:41:58
